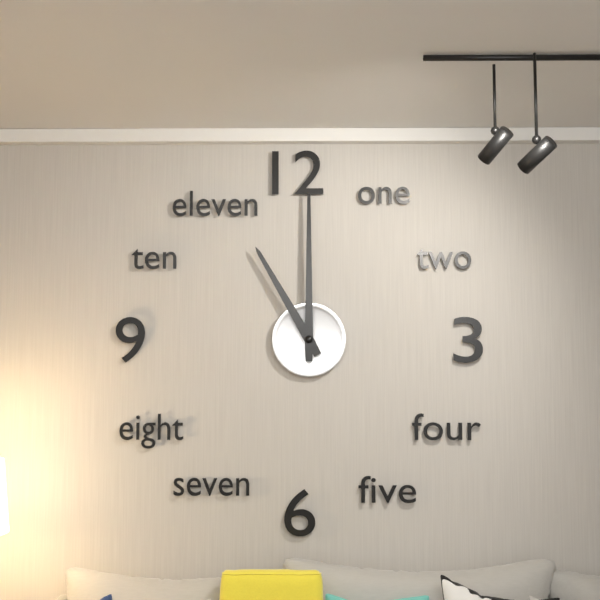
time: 11:00
